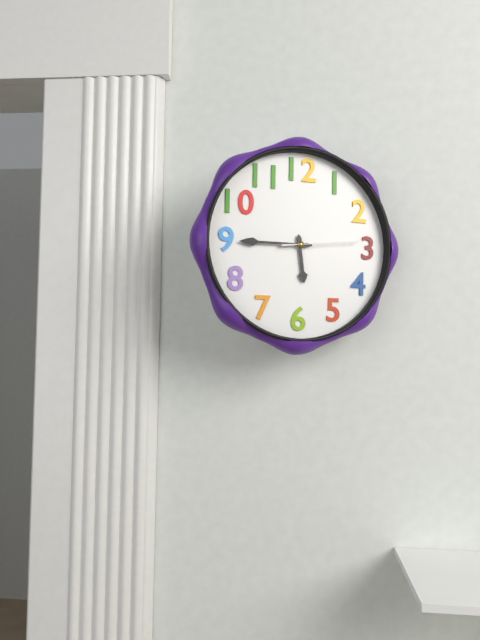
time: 5:45:14
